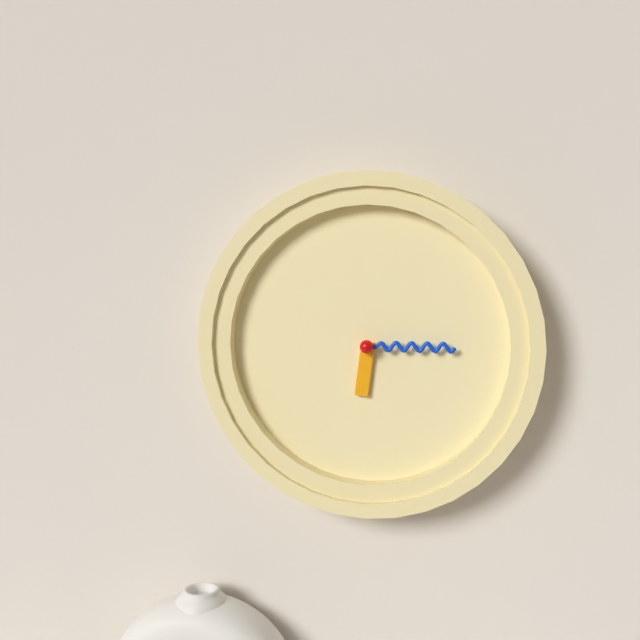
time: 6:15
